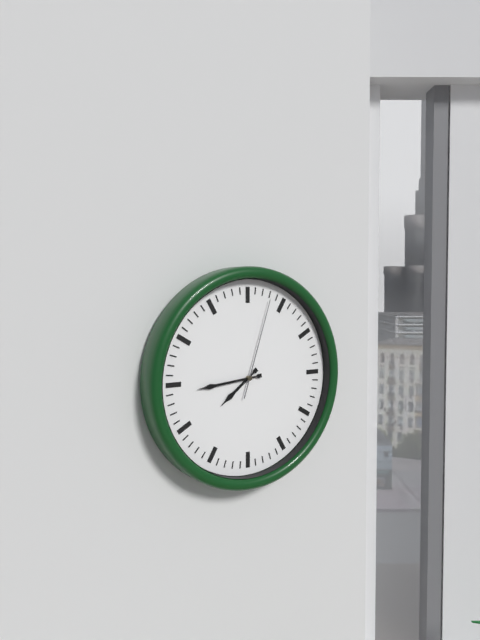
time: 7:44:03
